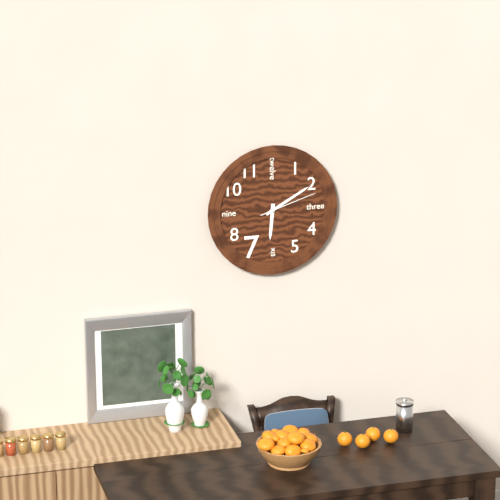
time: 6:10:12
